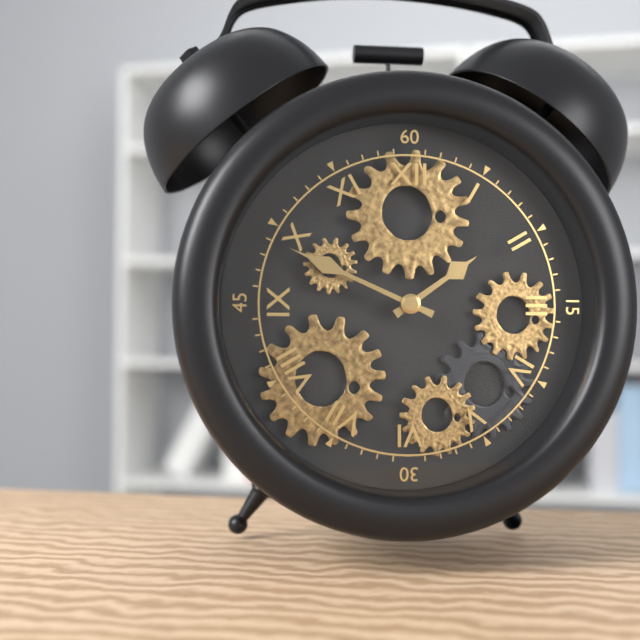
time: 1:49
